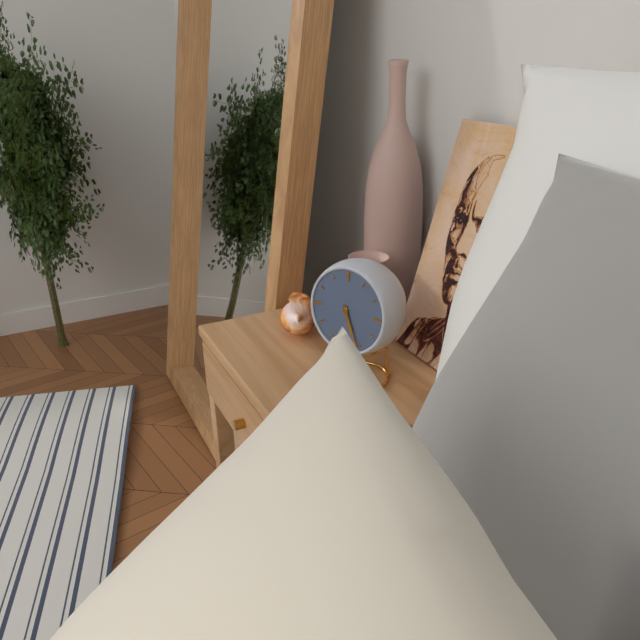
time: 5:26
